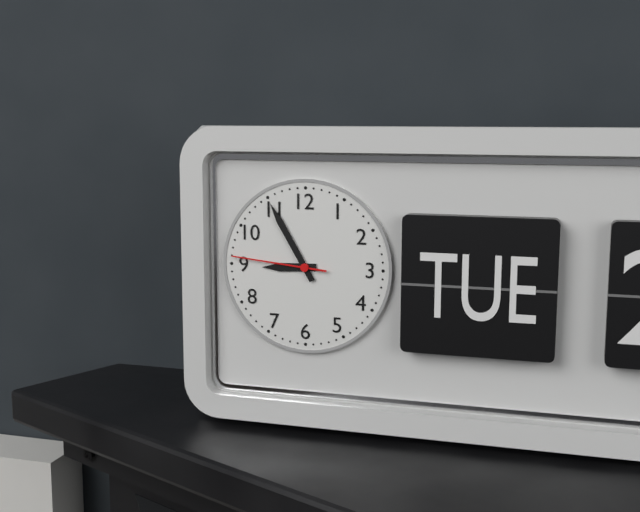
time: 8:55:46
